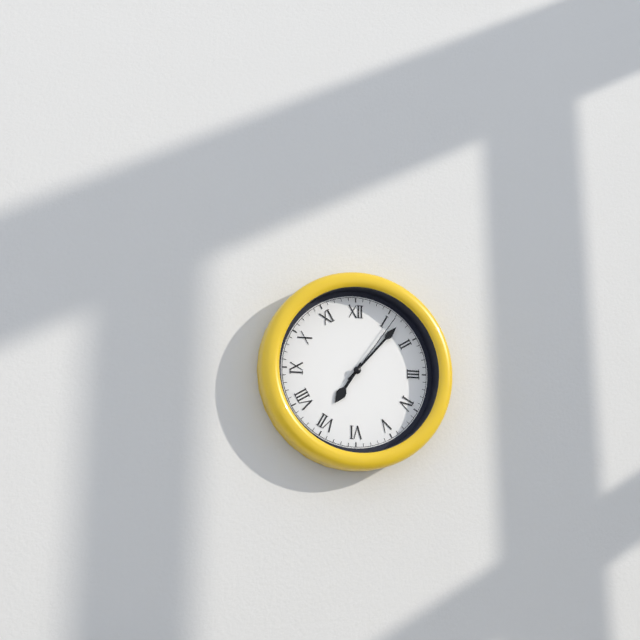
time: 7:07:06
